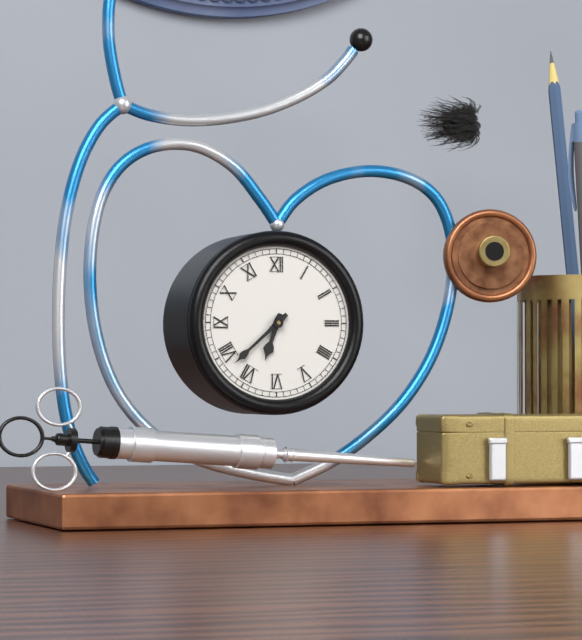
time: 6:38
